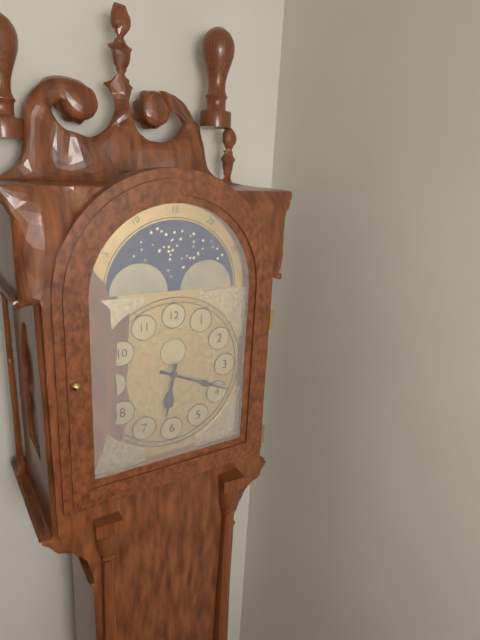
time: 6:19
